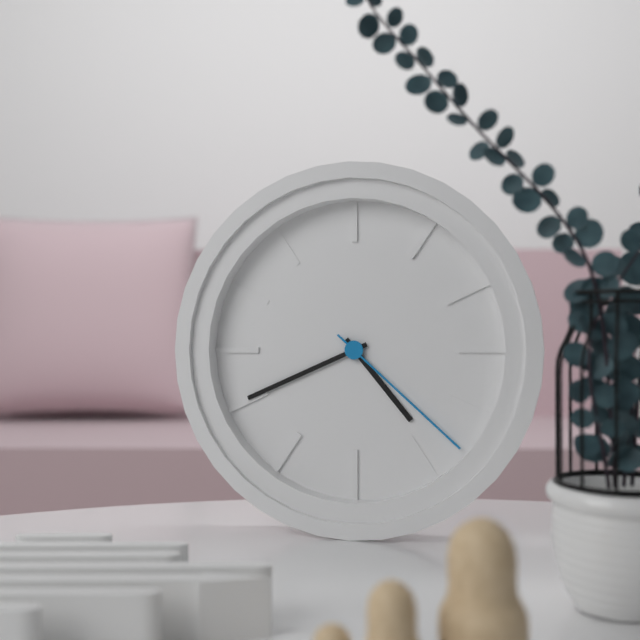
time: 4:41:22
